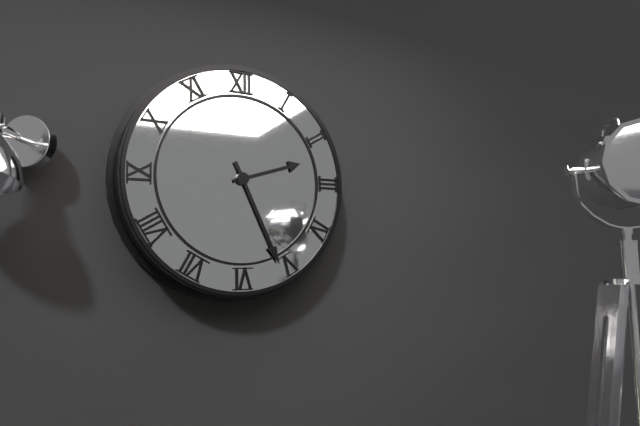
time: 2:26
